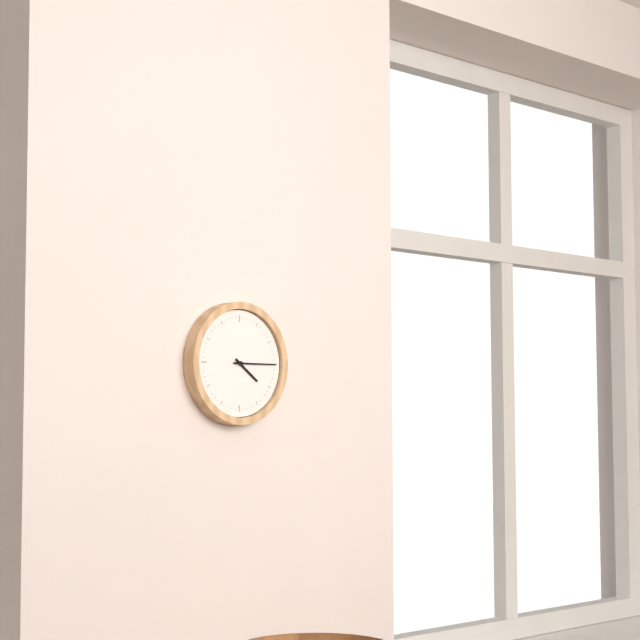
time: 4:15
